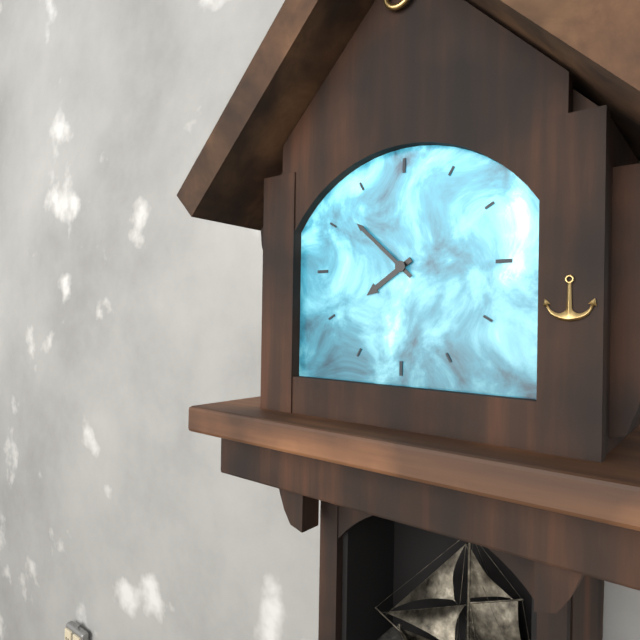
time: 7:52
